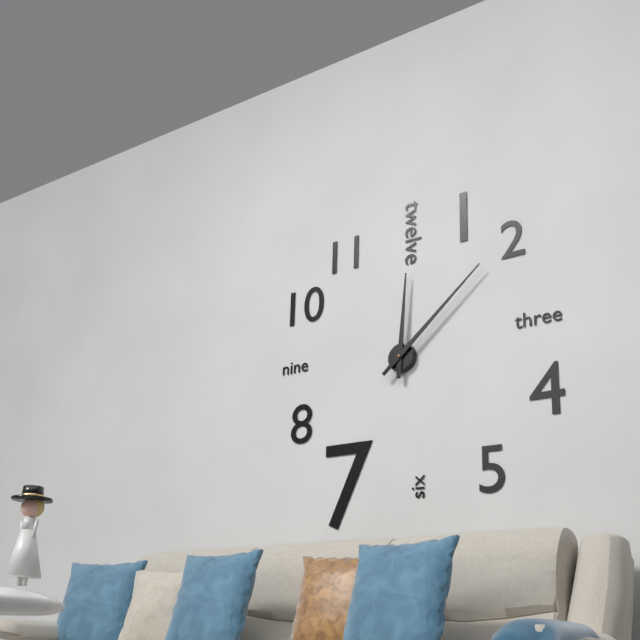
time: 12:08
